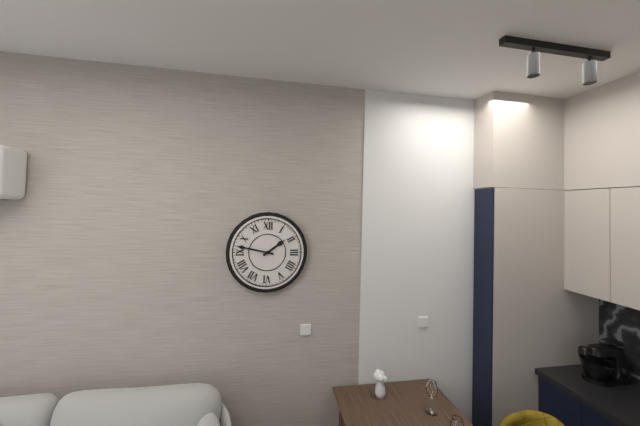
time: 1:47
